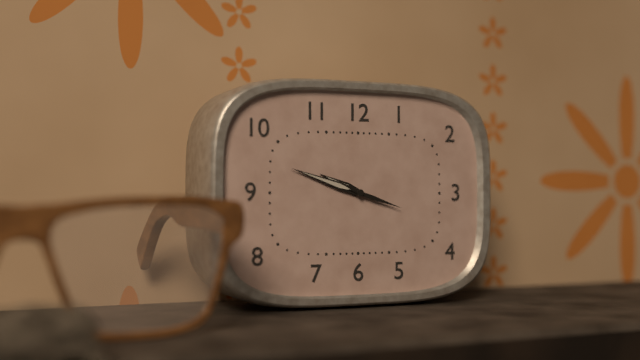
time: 9:48:18
